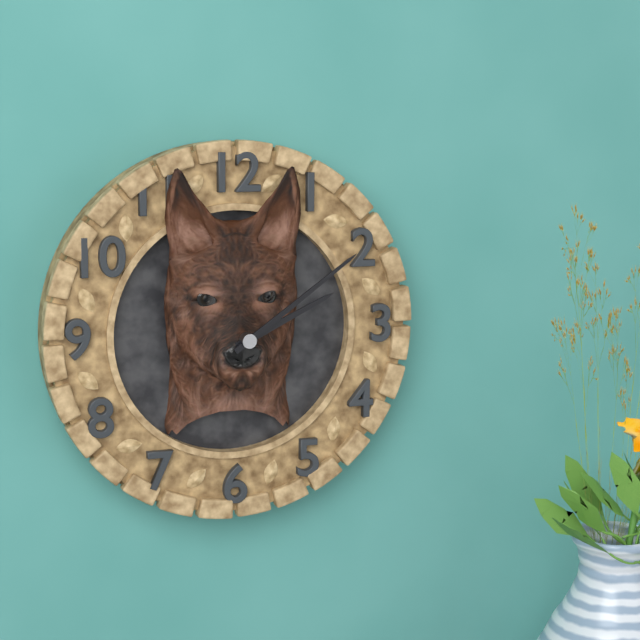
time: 2:09
